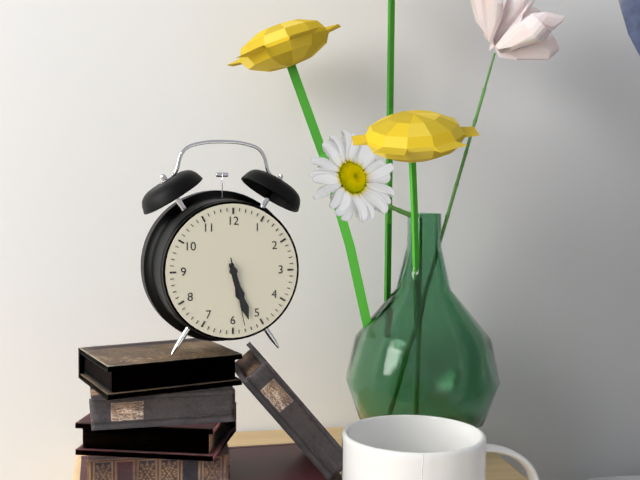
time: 5:27:28
